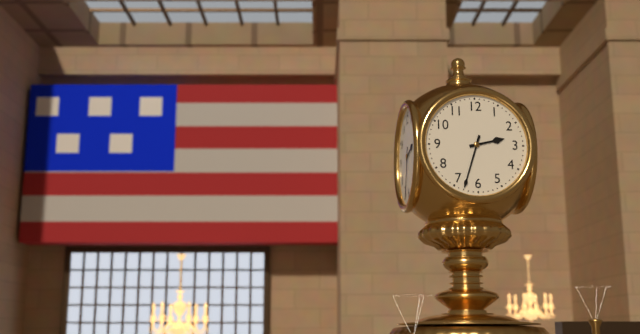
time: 2:33
